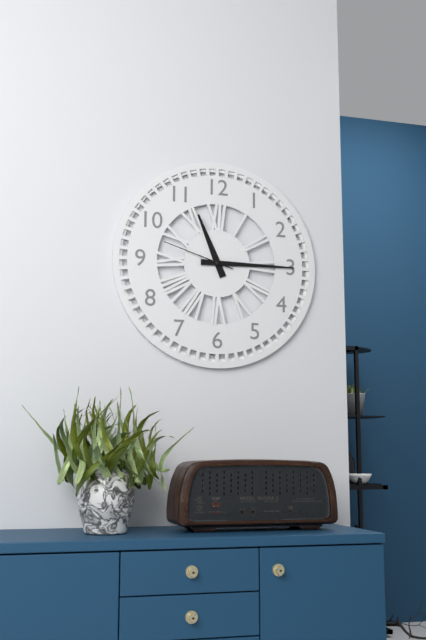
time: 11:15:48
